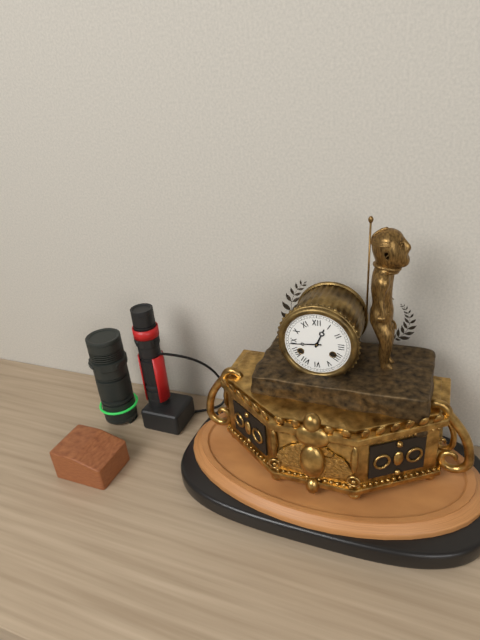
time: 12:44
